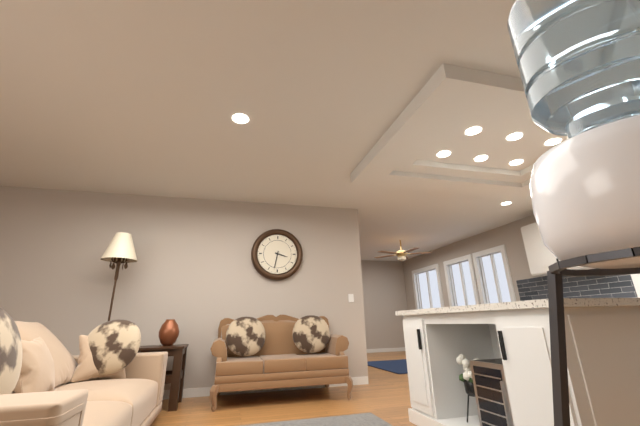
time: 3:32
